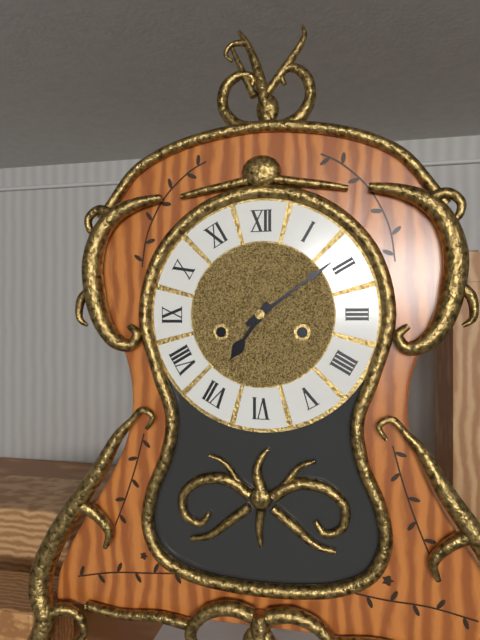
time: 7:09
